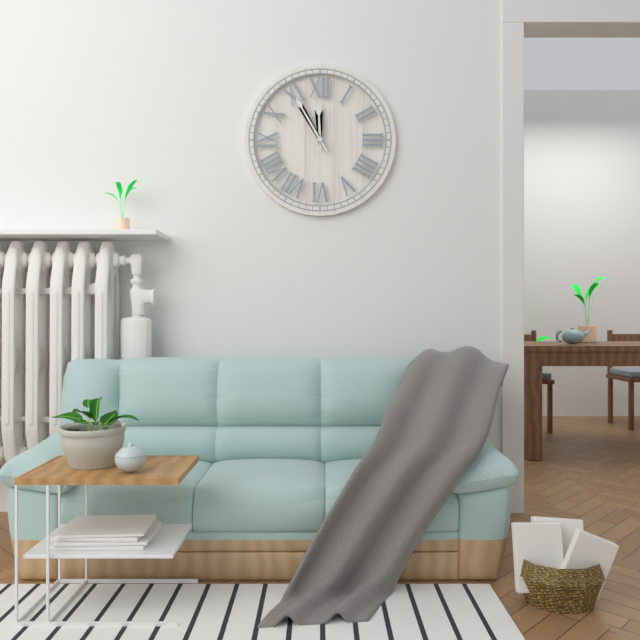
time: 11:55
